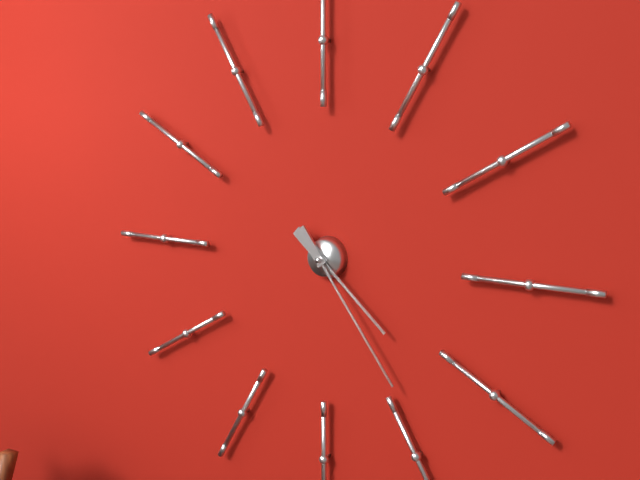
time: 4:24
